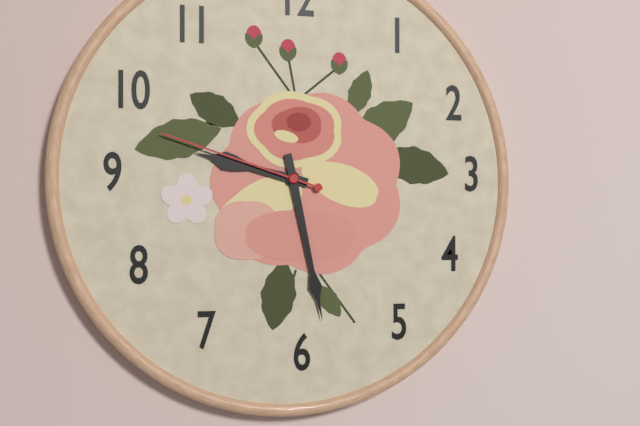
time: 9:28:48
